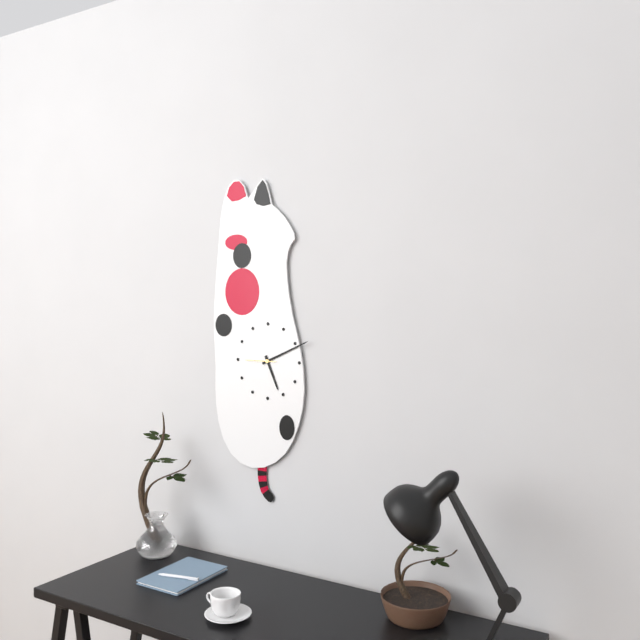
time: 5:11
